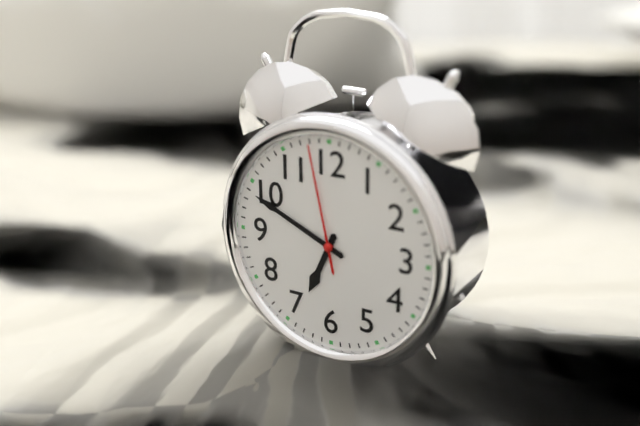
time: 6:49:58
